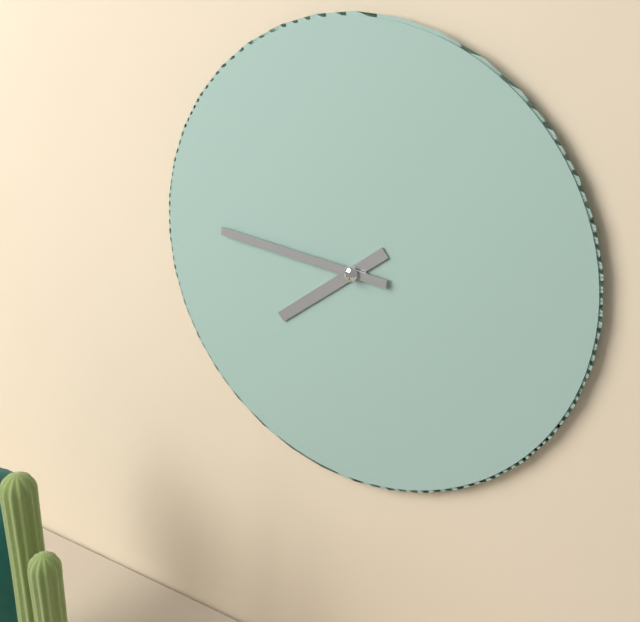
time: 7:46
